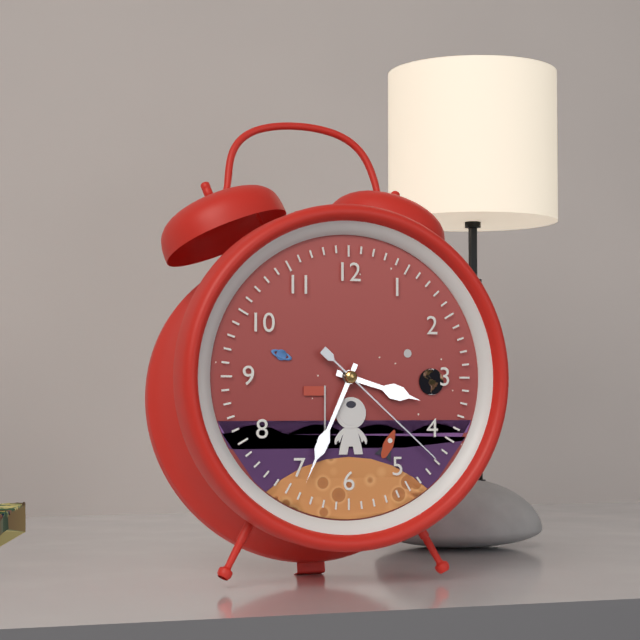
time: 3:34:22
